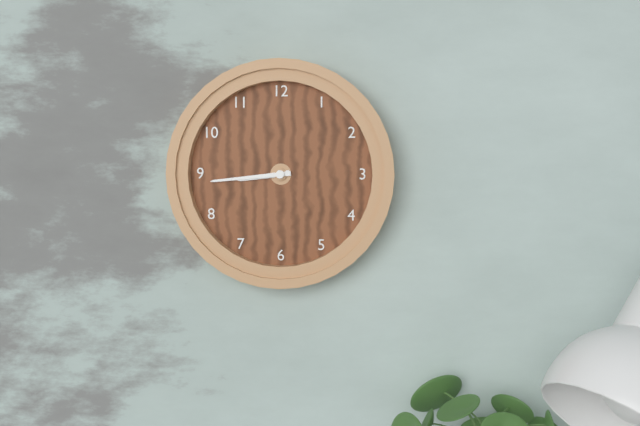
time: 8:44
